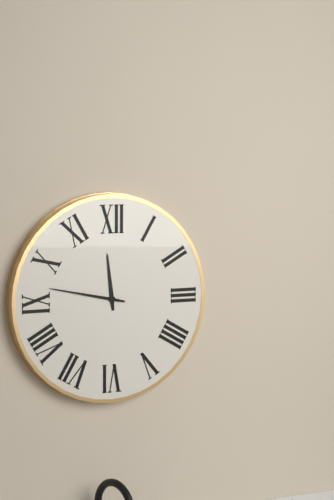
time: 11:47
